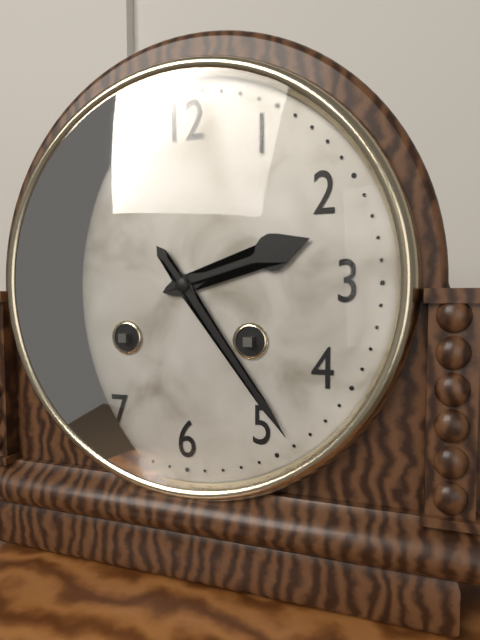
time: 2:24
